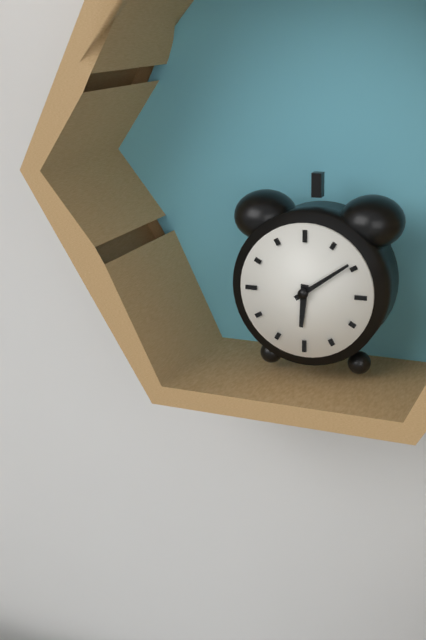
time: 6:09
